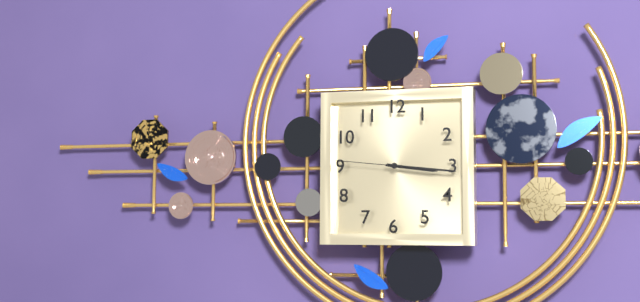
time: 3:16:46
